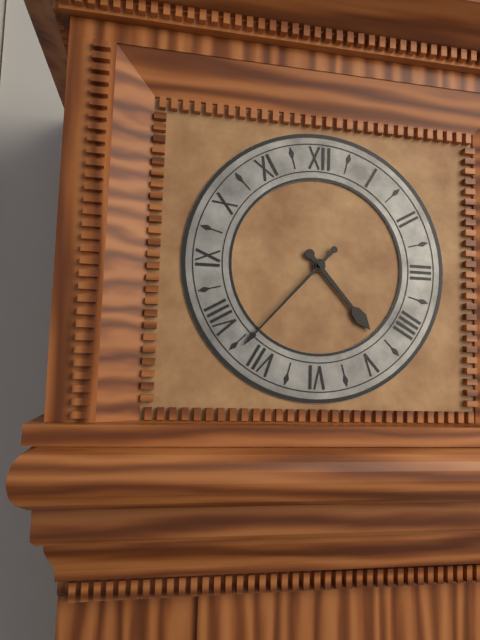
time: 4:37
